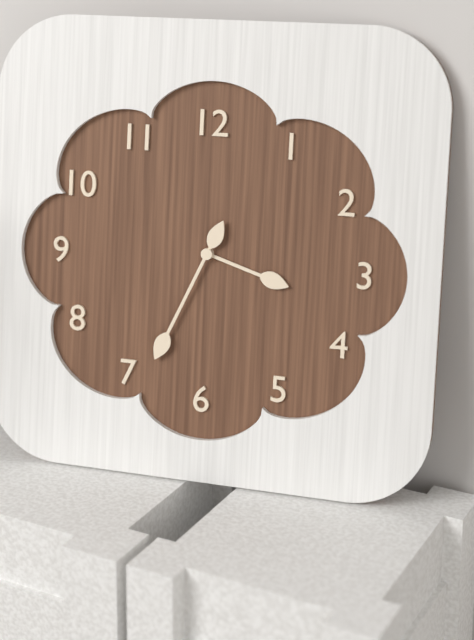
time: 3:34
